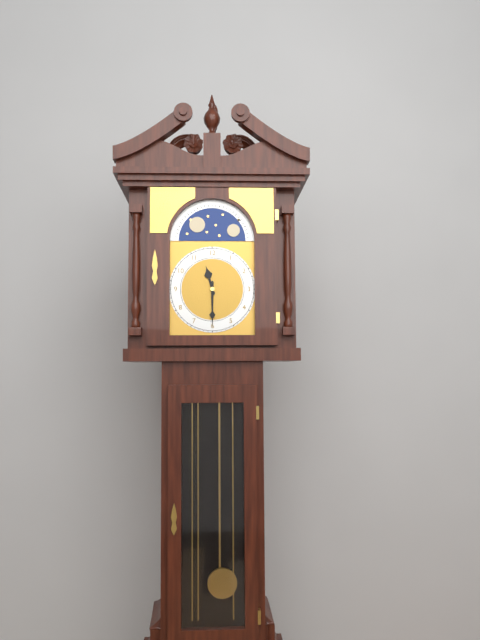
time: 11:30
